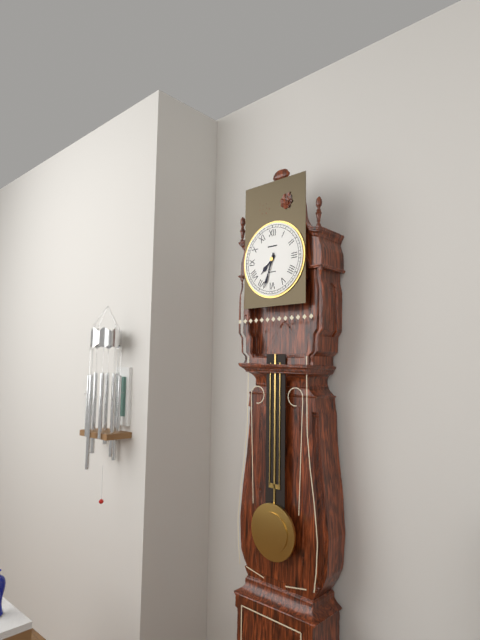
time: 7:33
